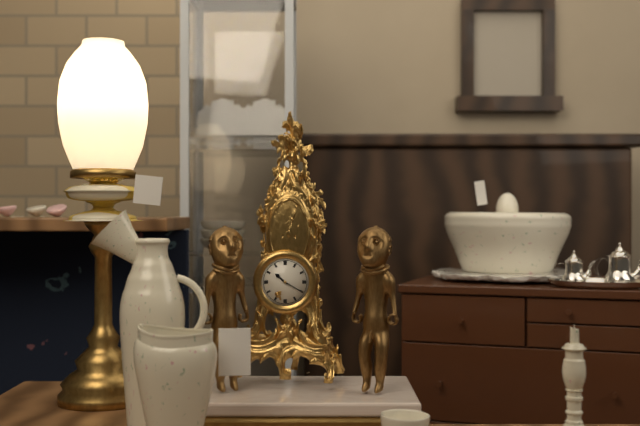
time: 10:20
